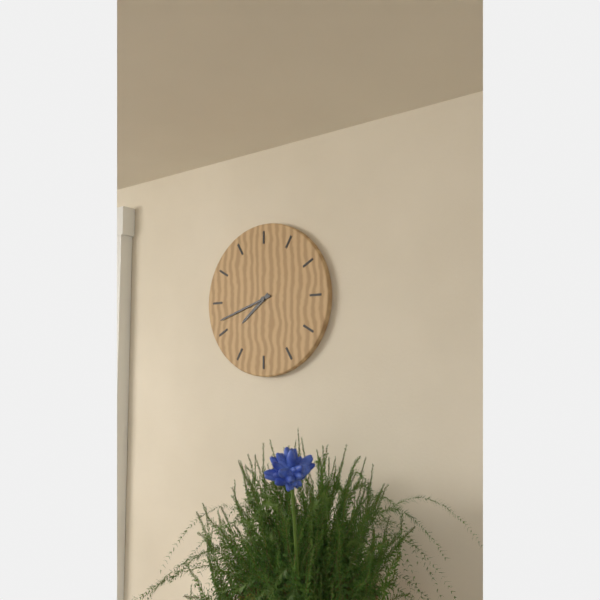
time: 7:42
